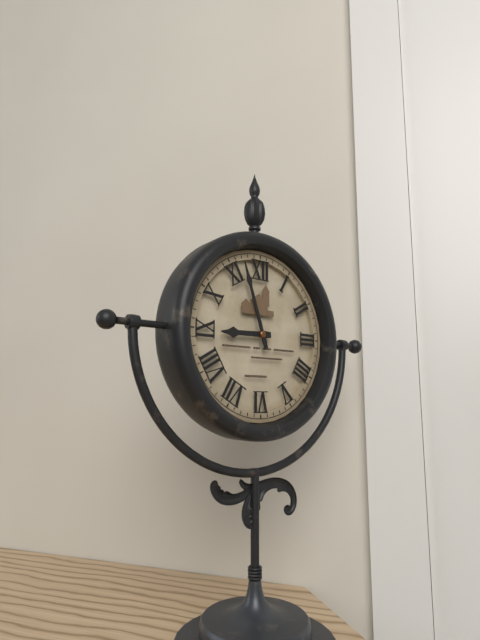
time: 8:57
